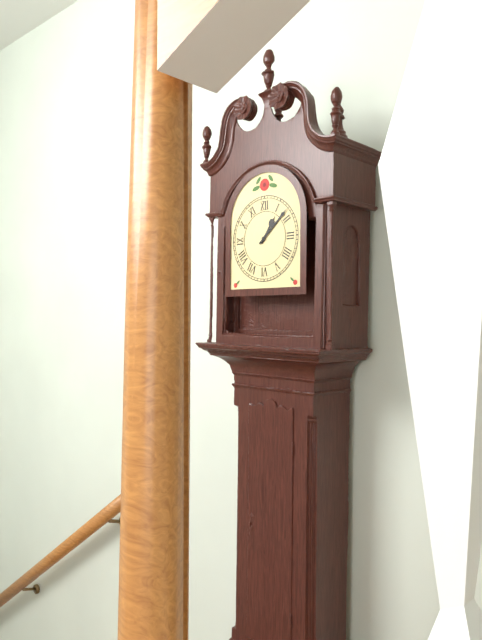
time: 1:08
